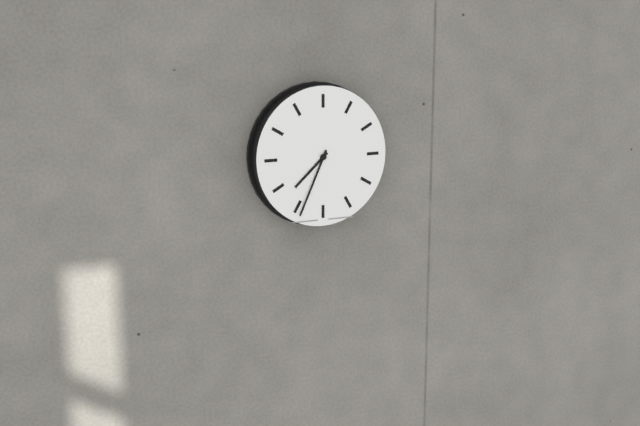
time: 7:34
